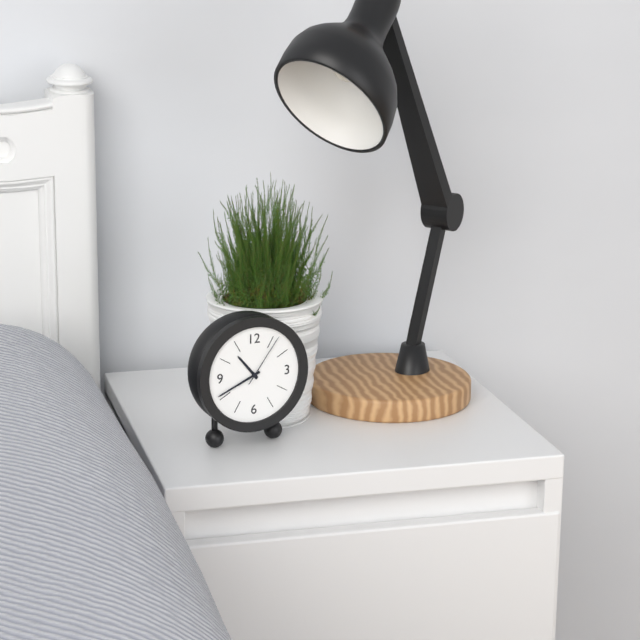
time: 10:41:06
